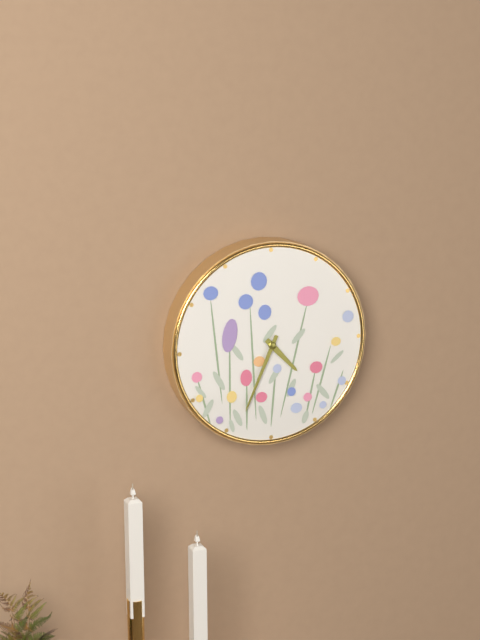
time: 4:34
